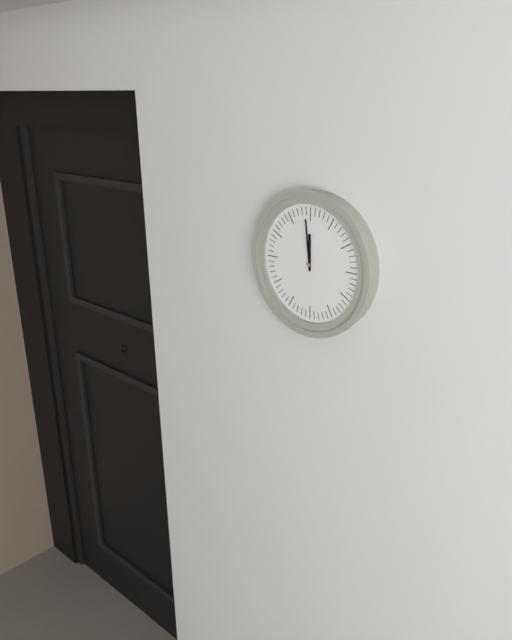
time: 11:59
